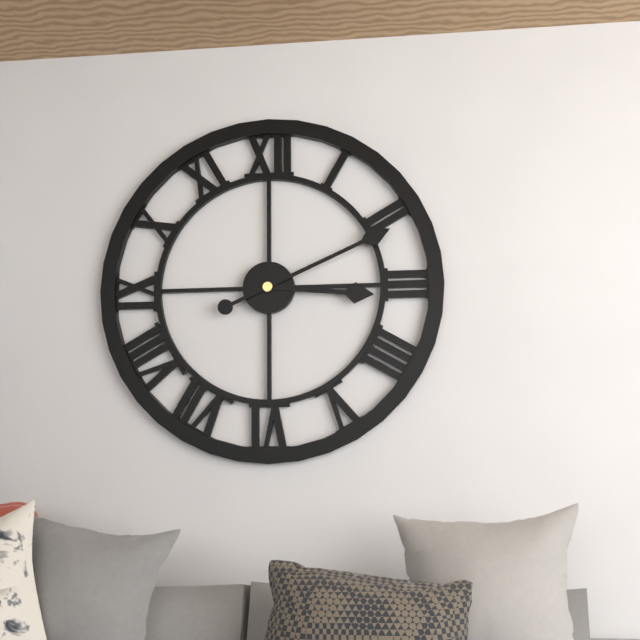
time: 3:11
